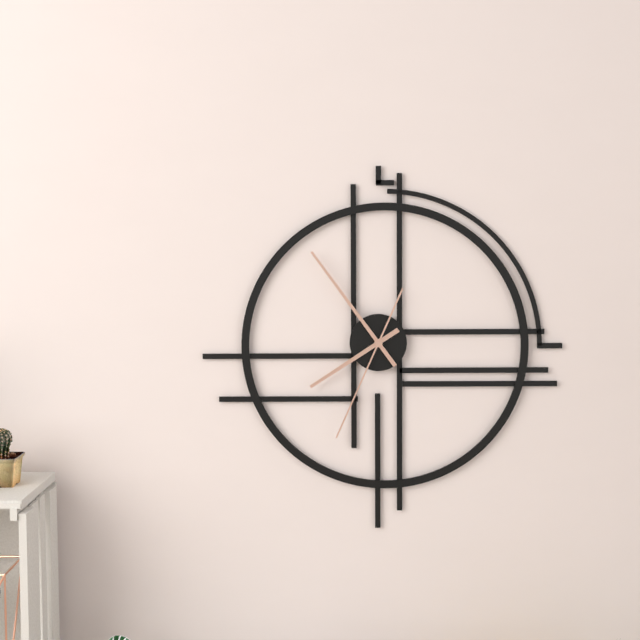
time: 7:54:34
